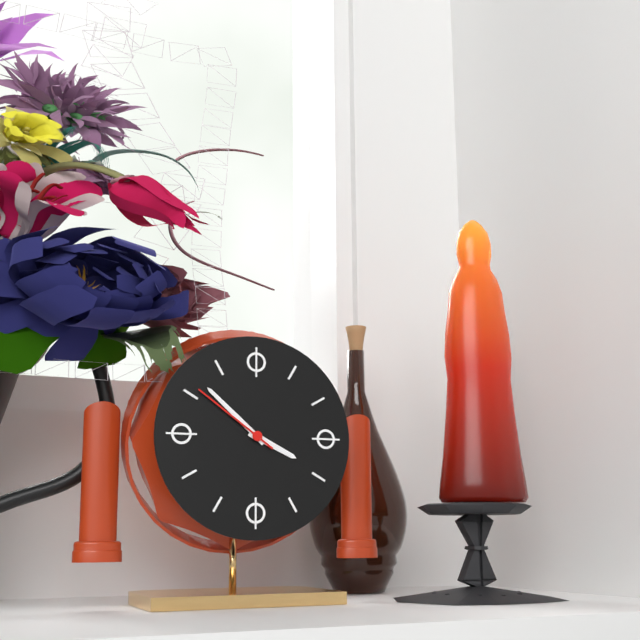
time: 3:52:51
